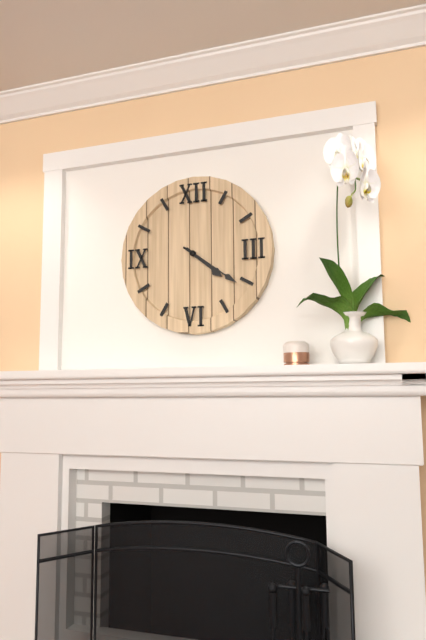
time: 4:21
